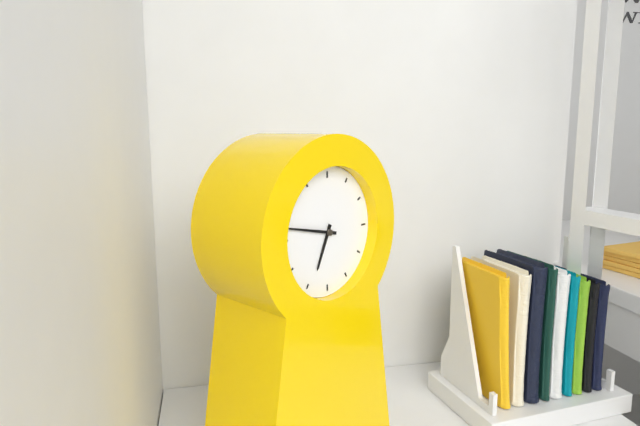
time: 6:47
